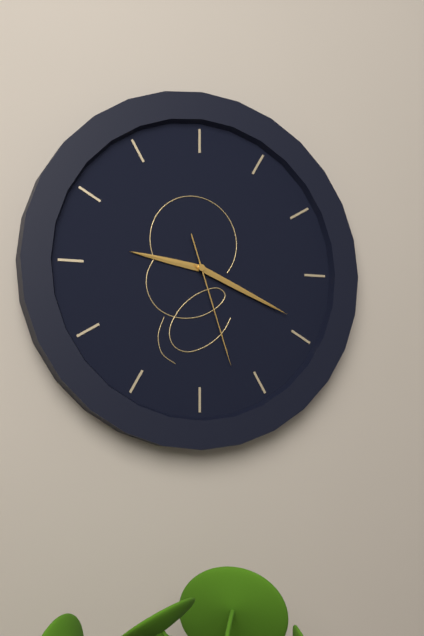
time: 9:19:27
